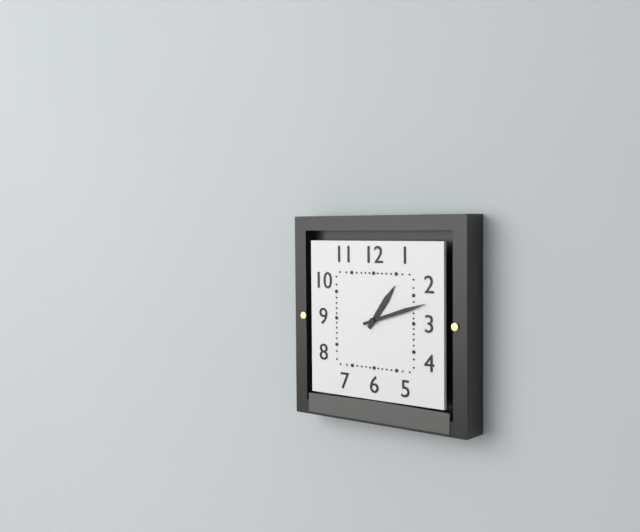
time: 1:12
